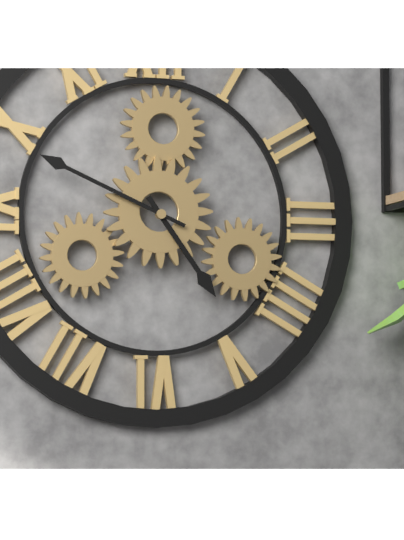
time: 4:49
